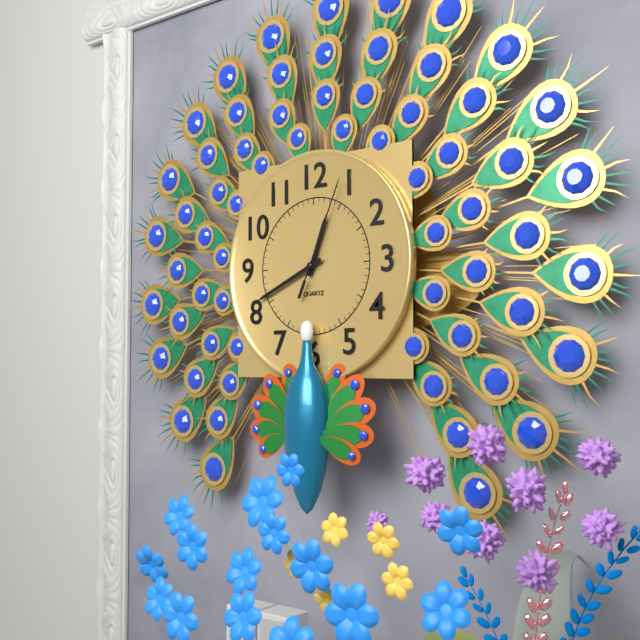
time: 12:41:04
